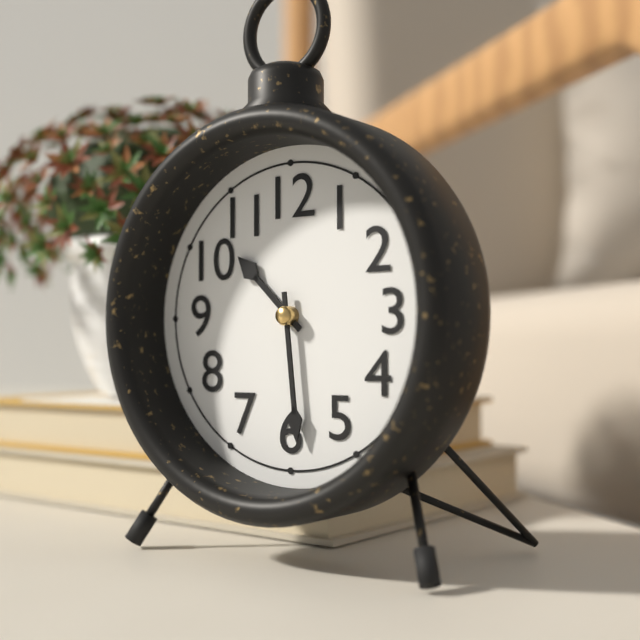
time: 10:29
